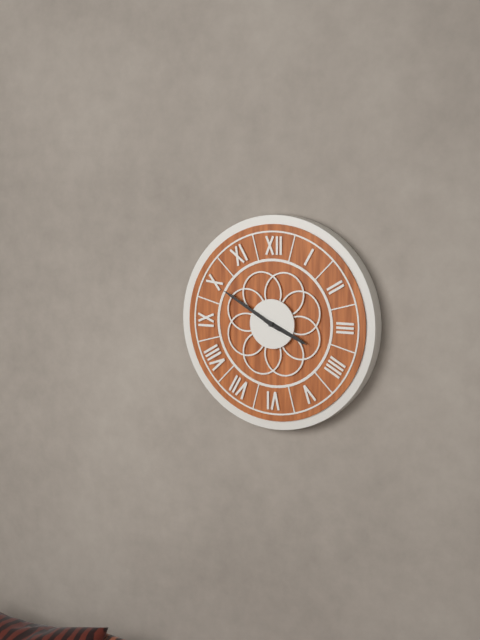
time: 3:50
